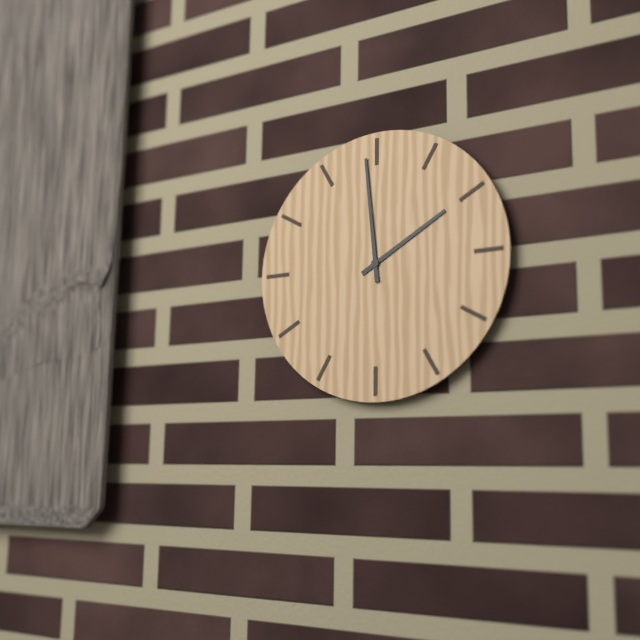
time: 1:59
